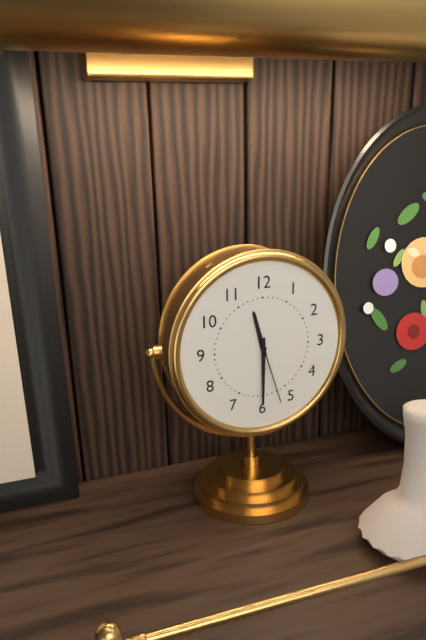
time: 11:30:27
